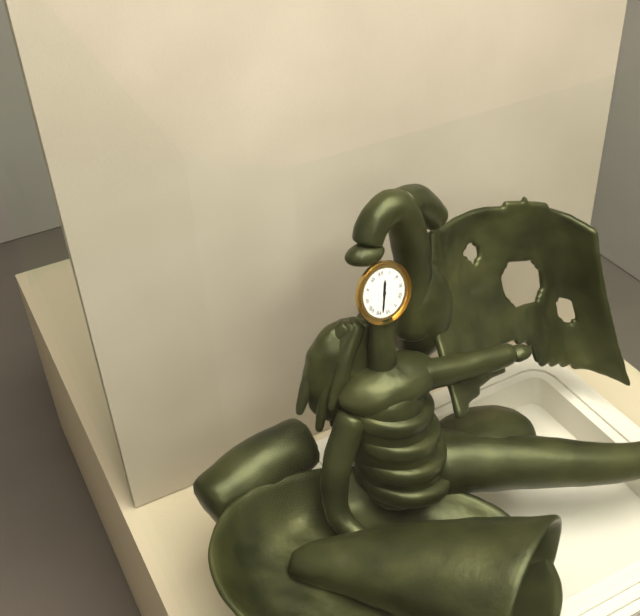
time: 12:33
